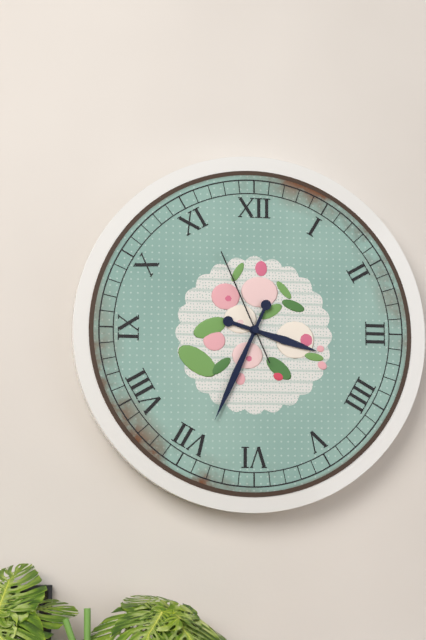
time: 3:34:56
